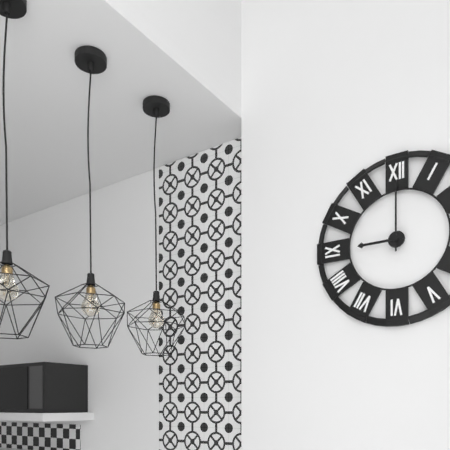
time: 9:00
